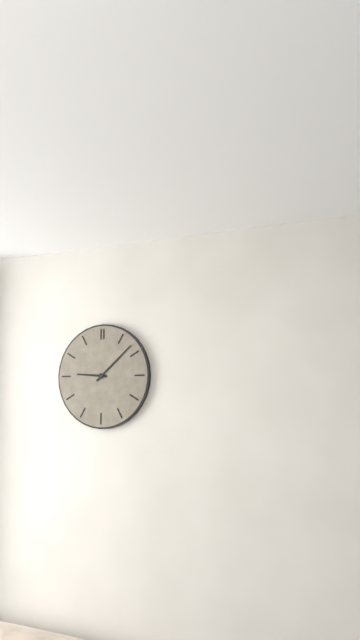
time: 9:08
